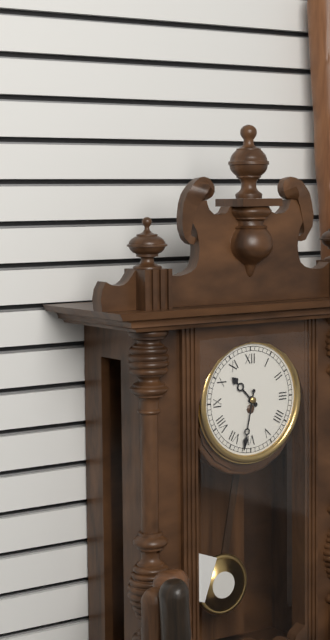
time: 10:32
